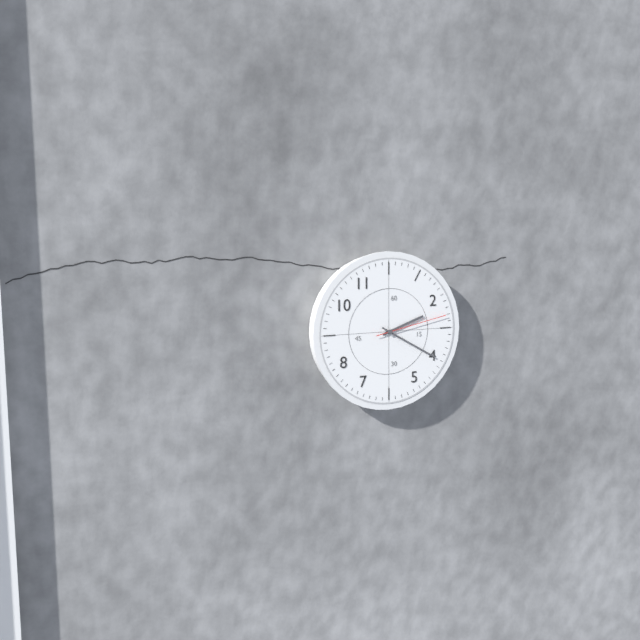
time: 2:20:13
